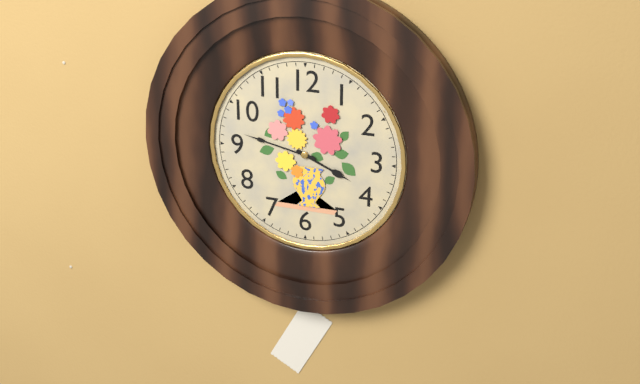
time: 3:47
